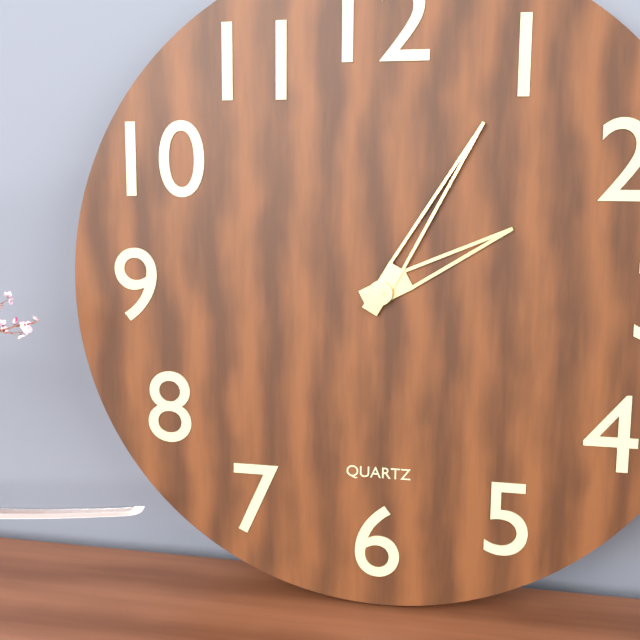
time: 2:05
